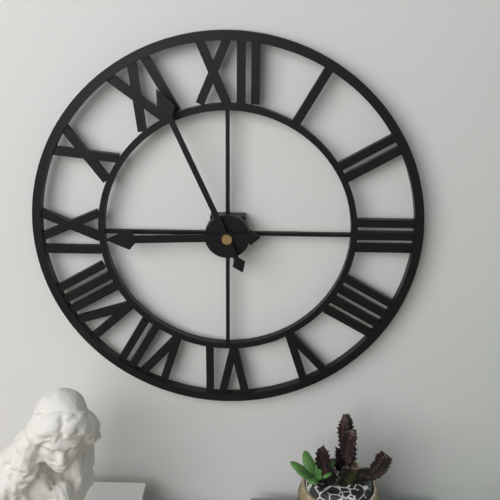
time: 8:56
